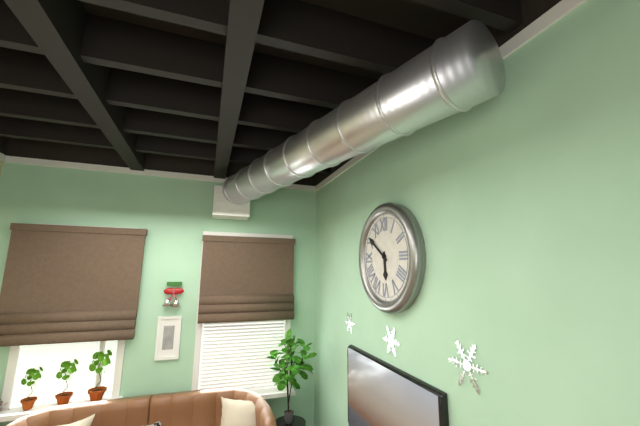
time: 5:51
